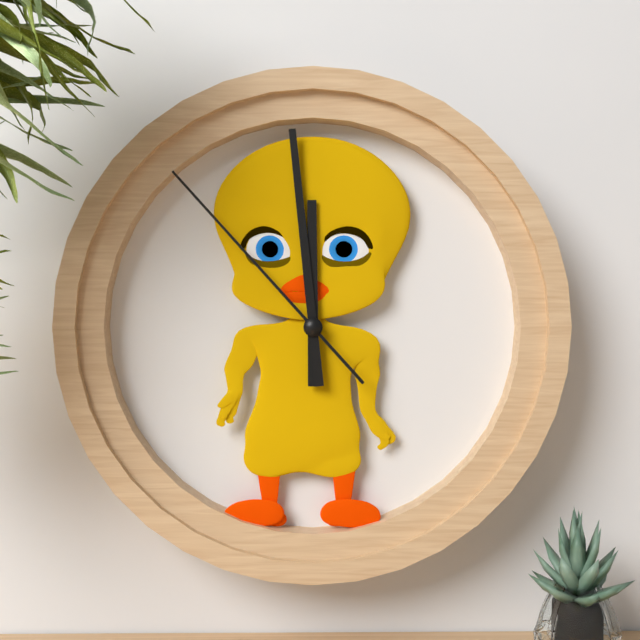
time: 11:59:53
